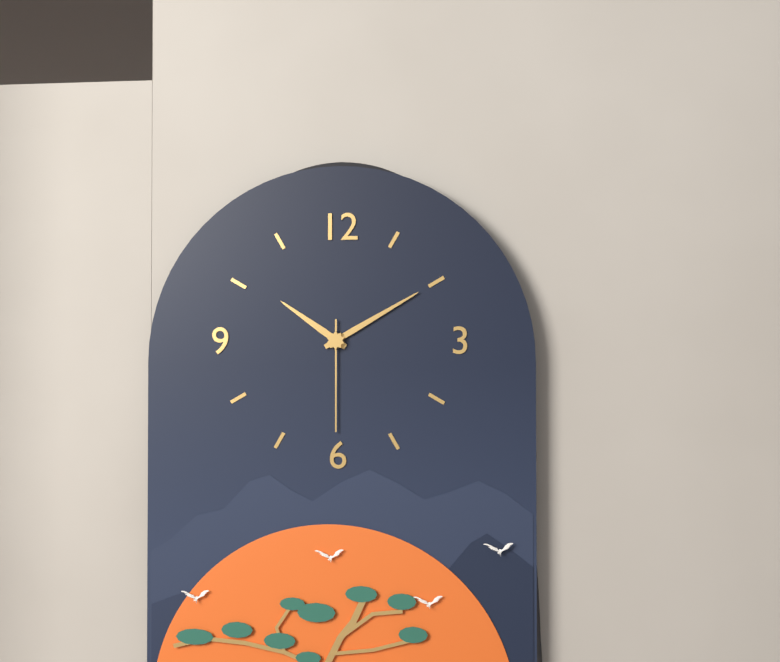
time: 10:10:30
